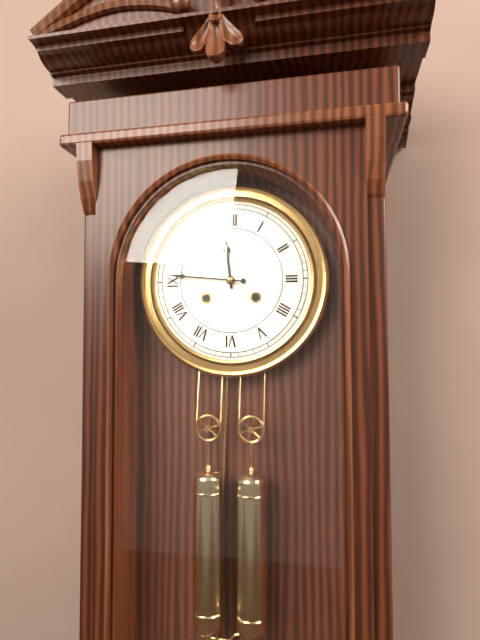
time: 11:46
